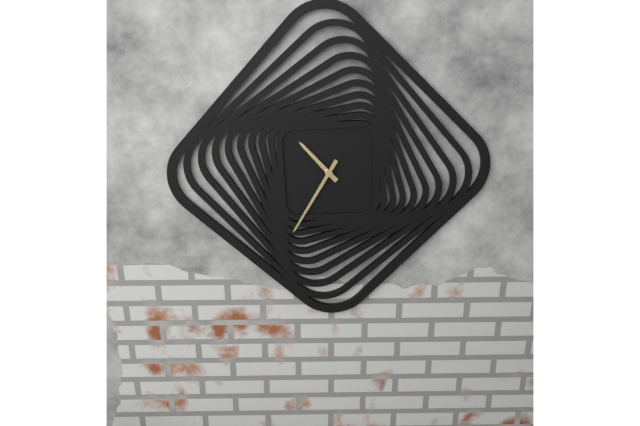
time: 10:35
